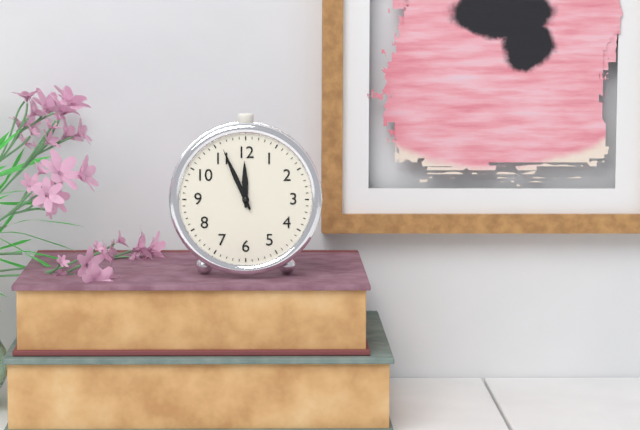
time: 11:56
